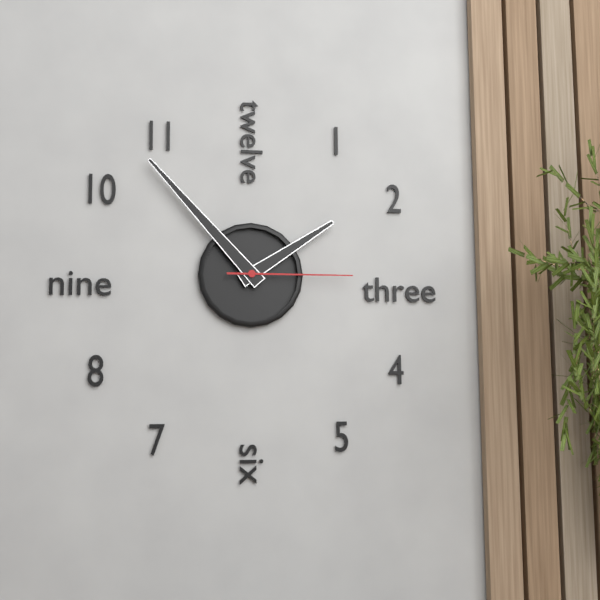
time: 1:53:15
